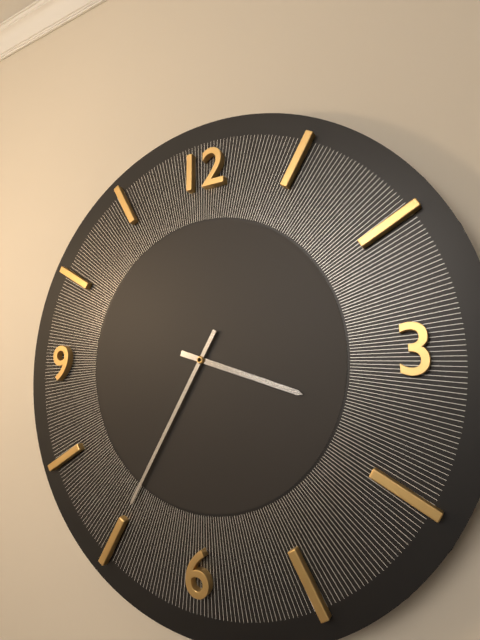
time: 3:35
